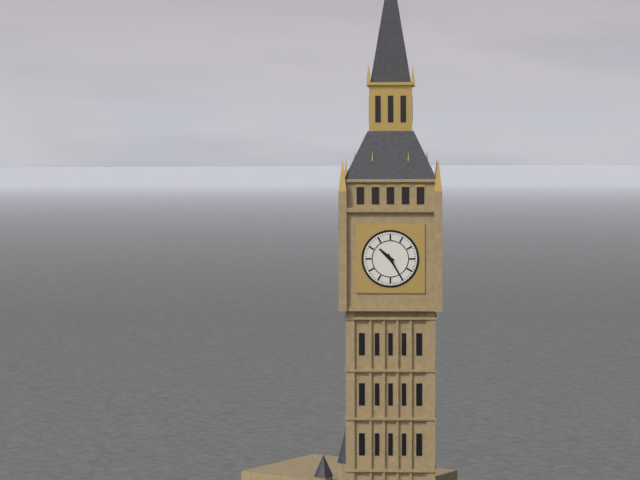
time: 10:25
